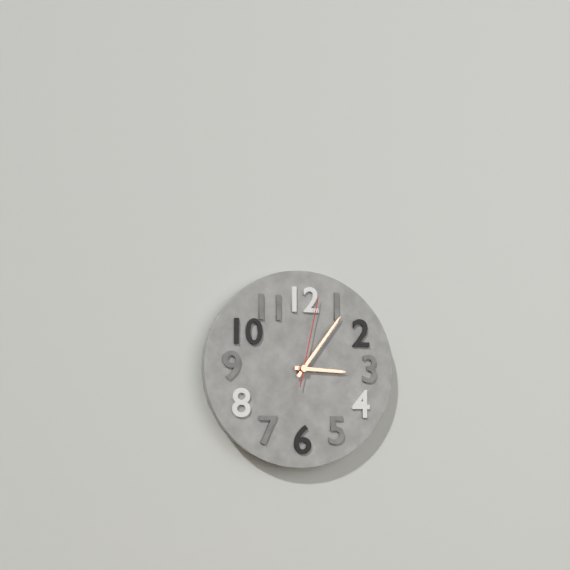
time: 3:06:02
